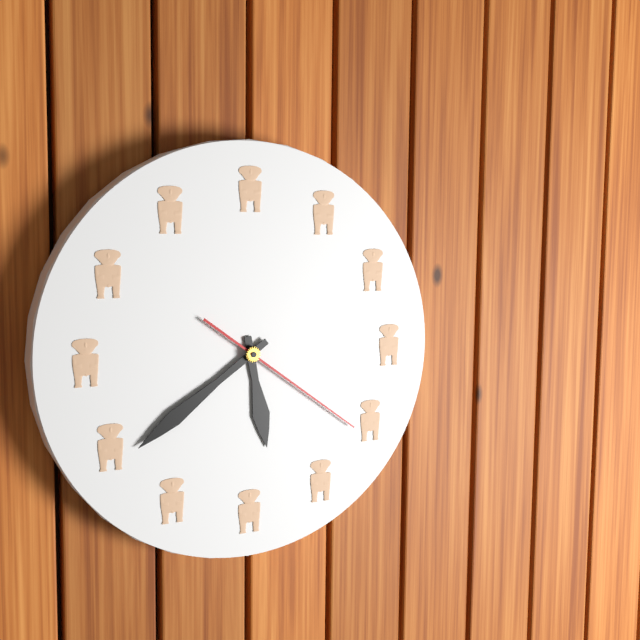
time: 5:39:21
